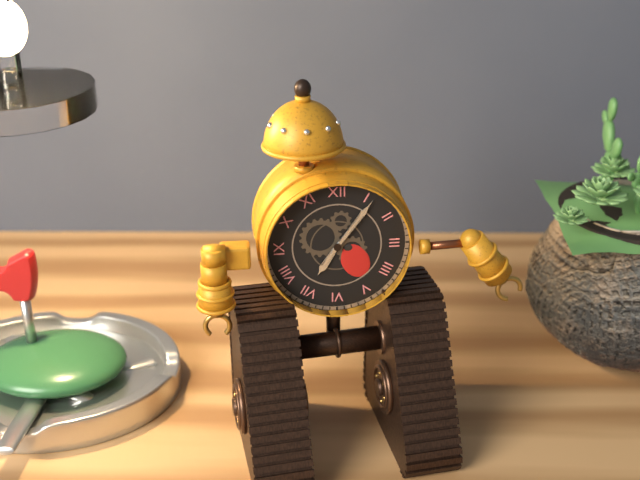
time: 7:06
